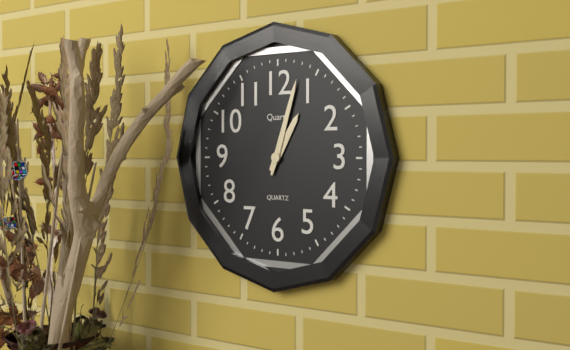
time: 1:03
